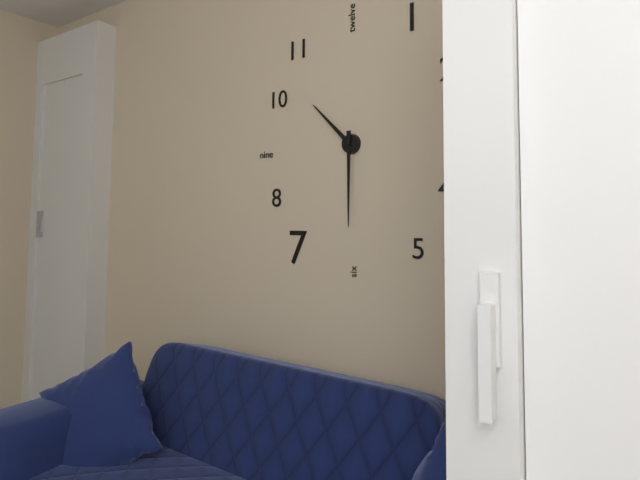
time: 10:30
